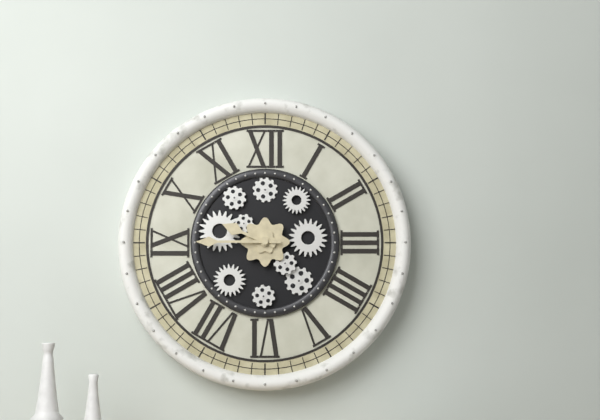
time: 9:45
